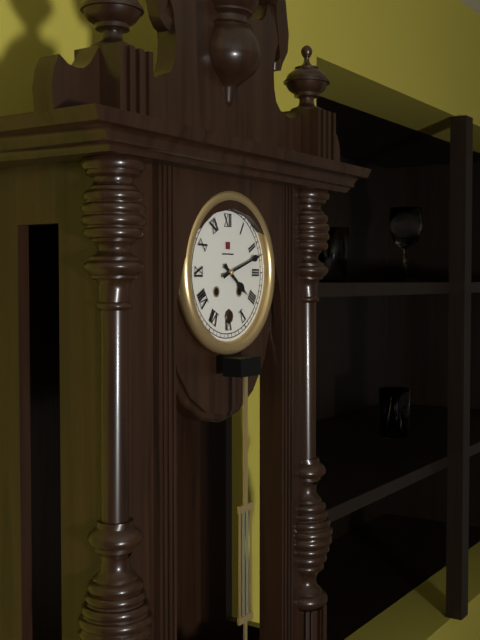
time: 4:12
